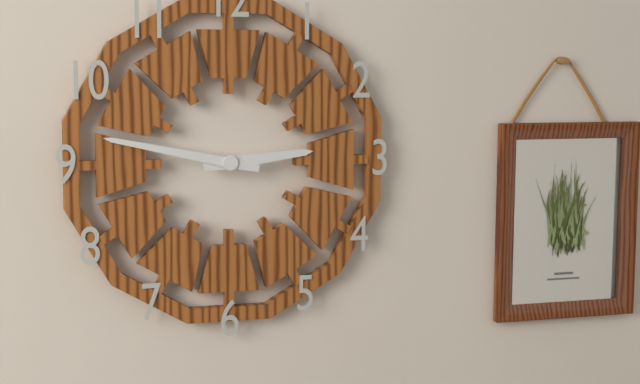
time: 2:47
